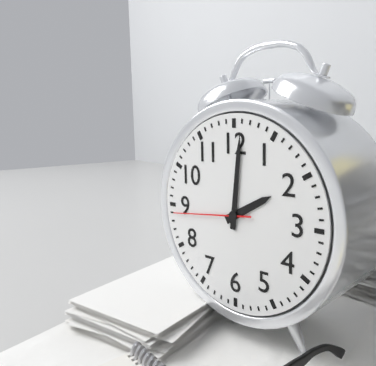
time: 2:01:44
